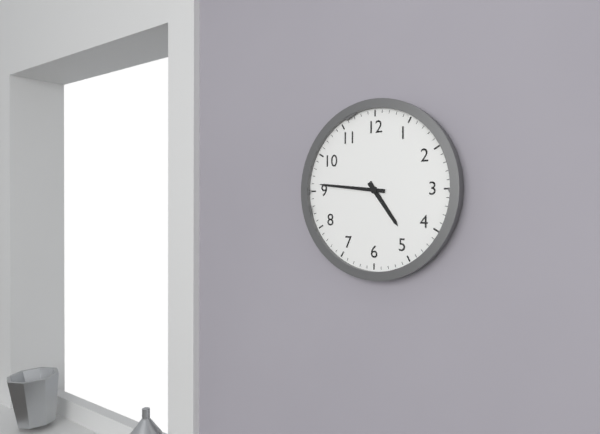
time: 4:46
